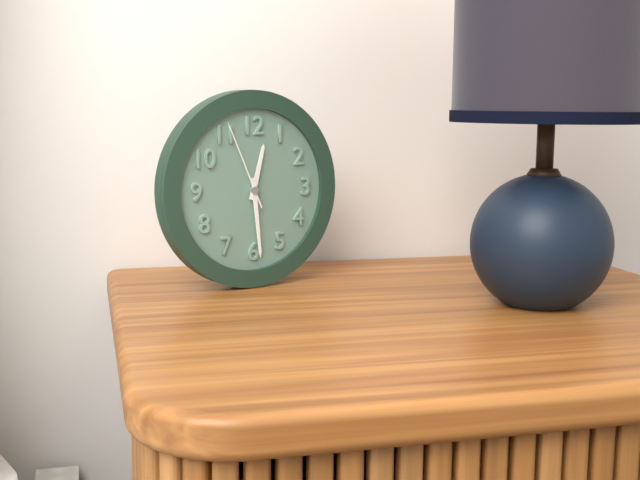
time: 12:29:56
